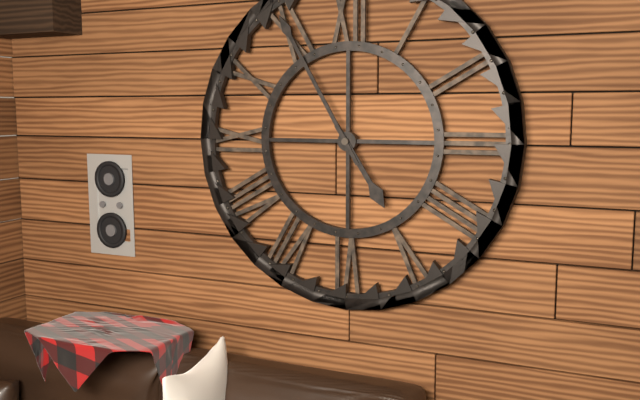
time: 4:55
